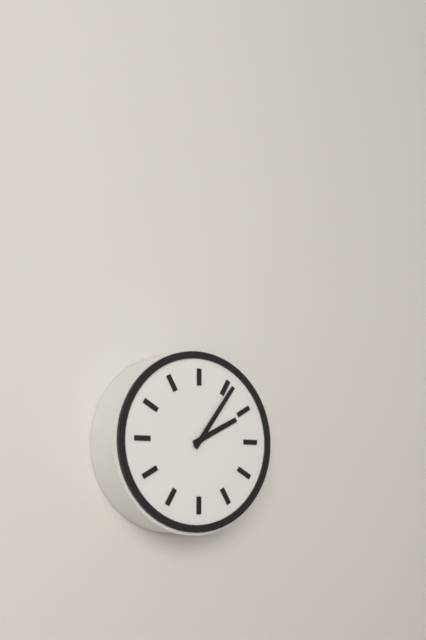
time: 2:06
